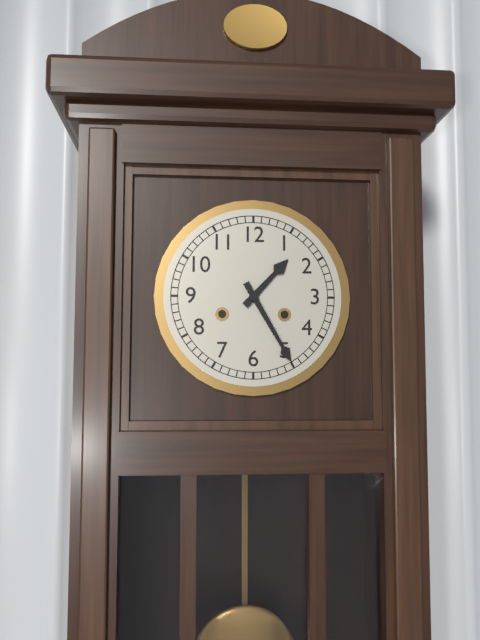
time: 1:25
